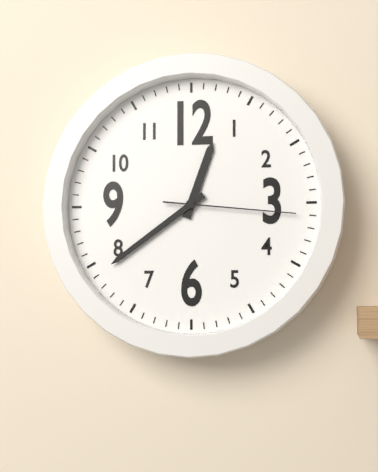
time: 12:39:16
